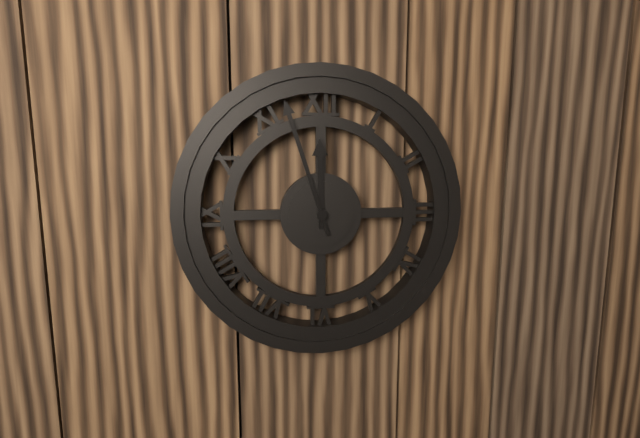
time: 11:57
